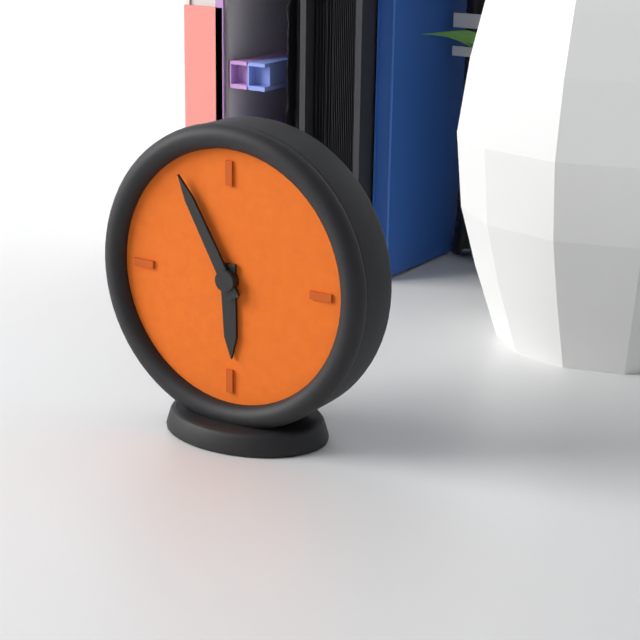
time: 5:55
